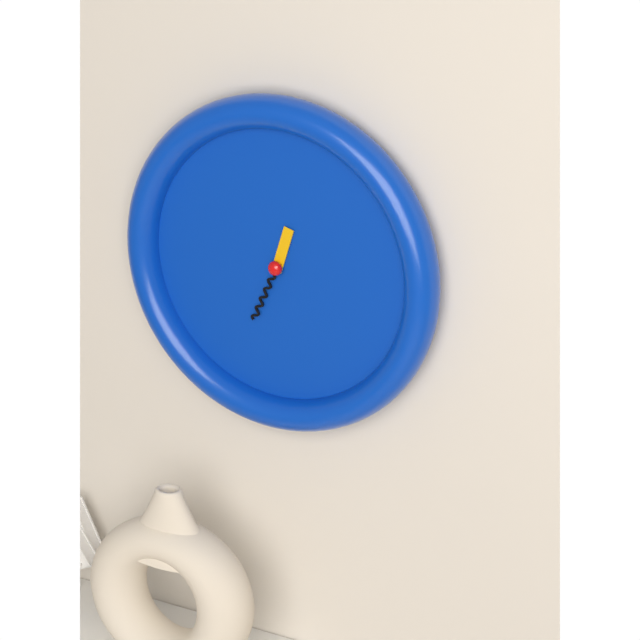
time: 12:34
